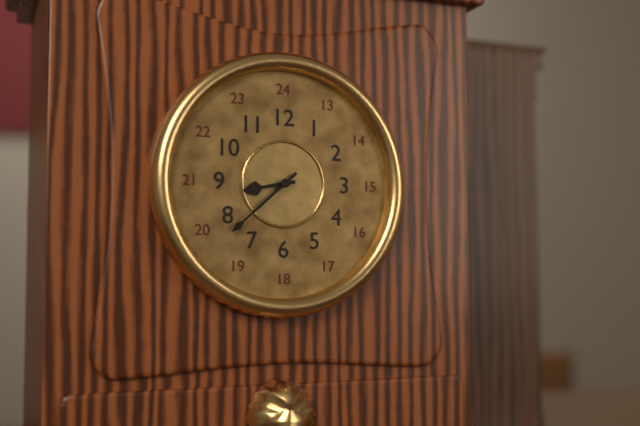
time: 8:38
